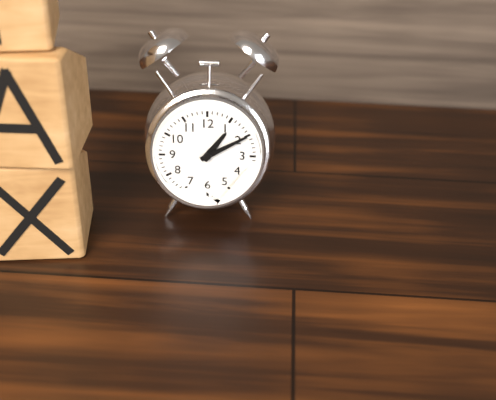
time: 1:10
